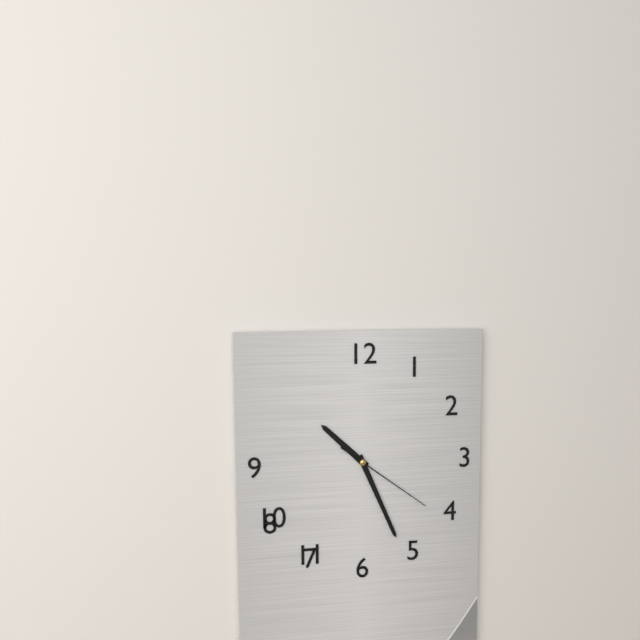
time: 10:26:21
